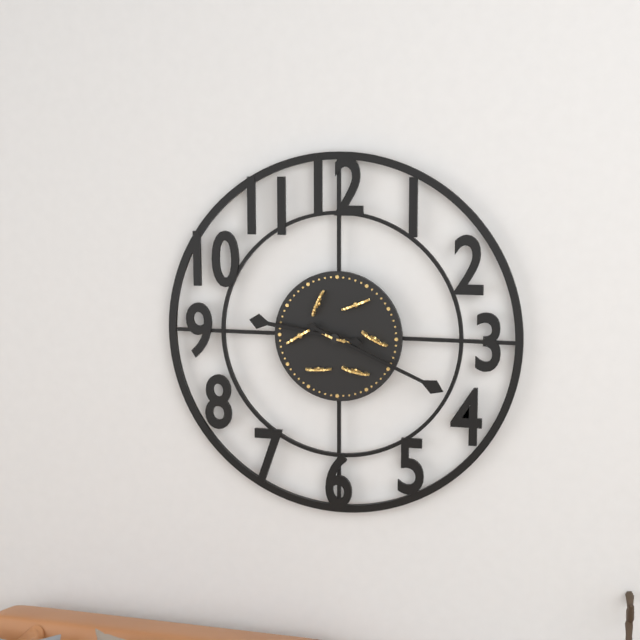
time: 9:19
